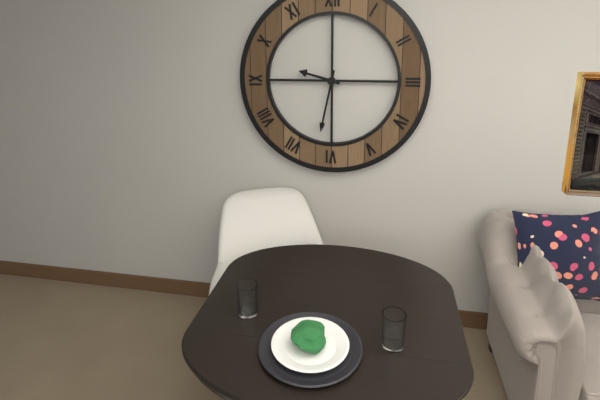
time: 9:32
